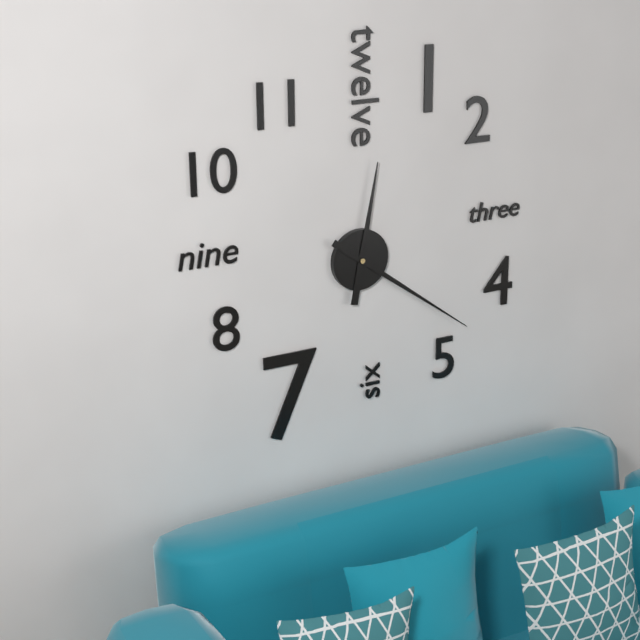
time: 12:21
